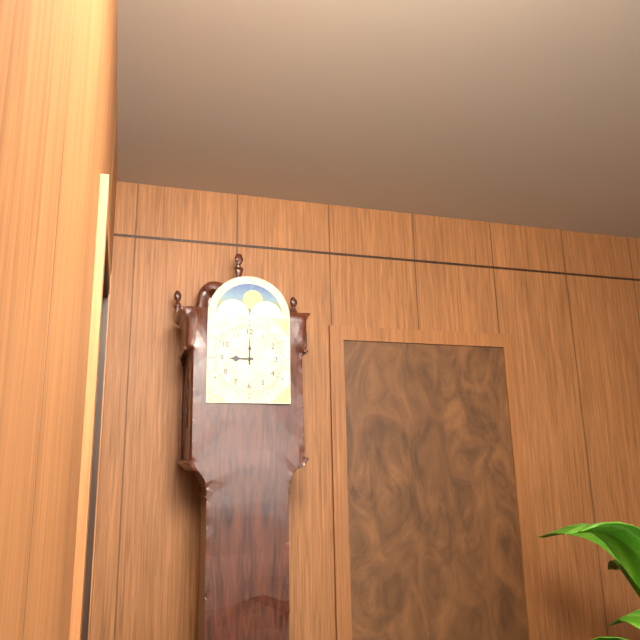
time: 9:00
